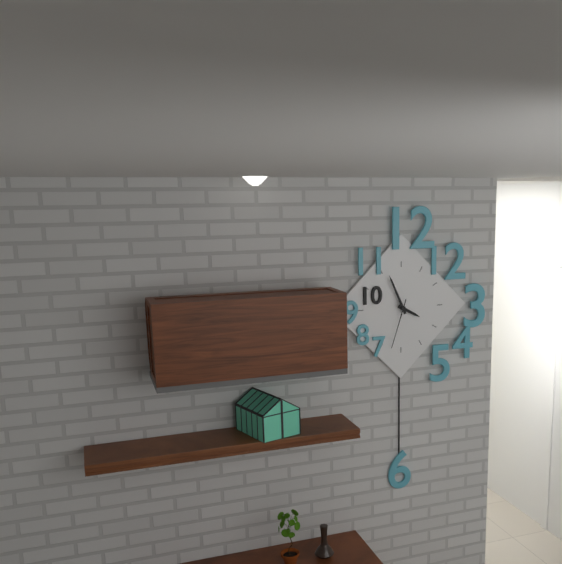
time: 3:56:33
